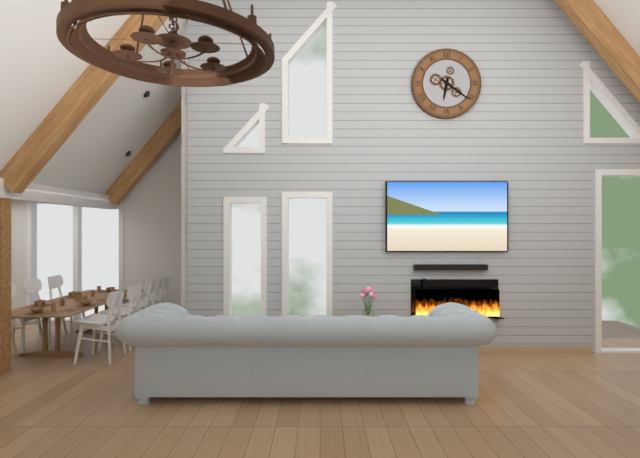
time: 6:21
